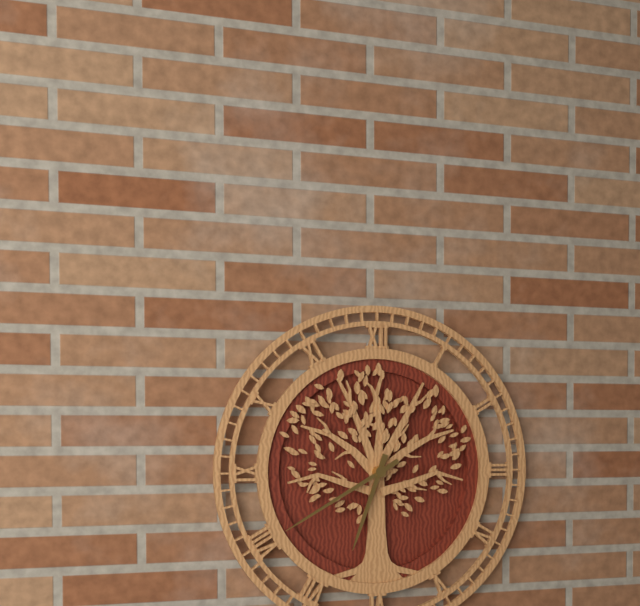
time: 6:40
